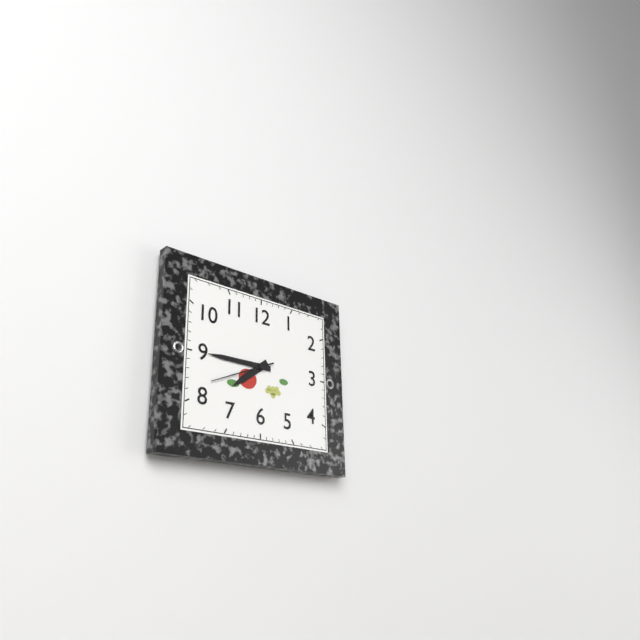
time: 7:45:41
